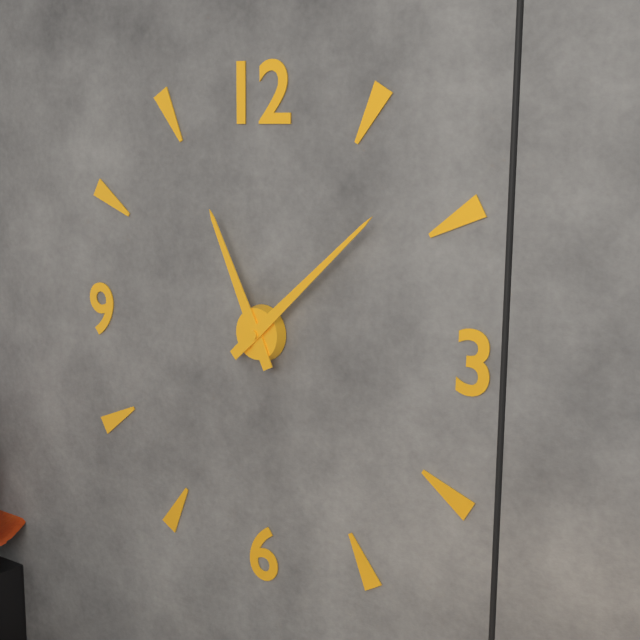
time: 11:08
